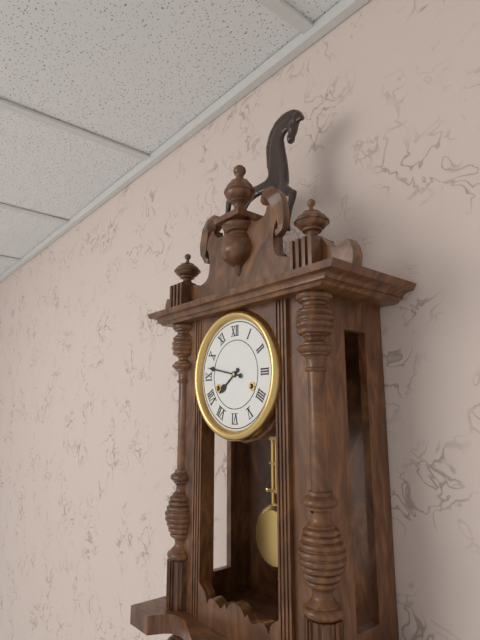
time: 7:47
